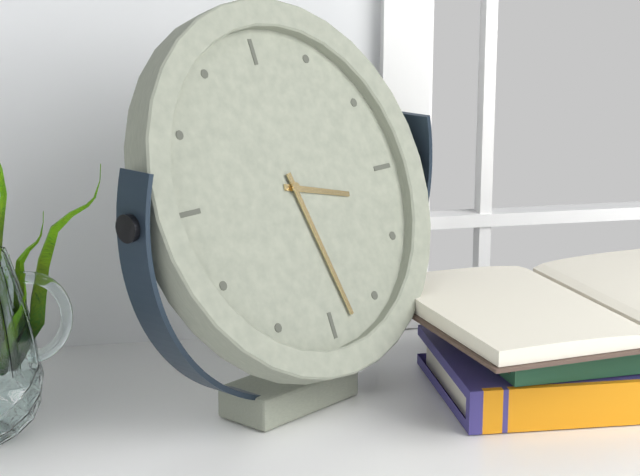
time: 3:28
